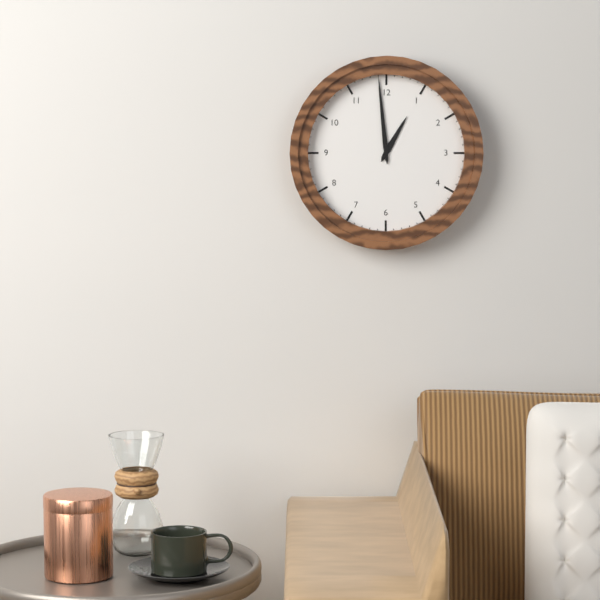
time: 12:59
